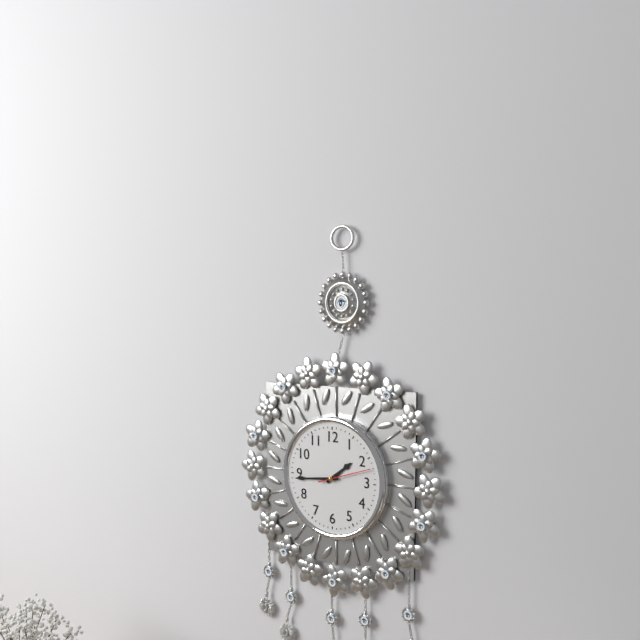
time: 1:44
